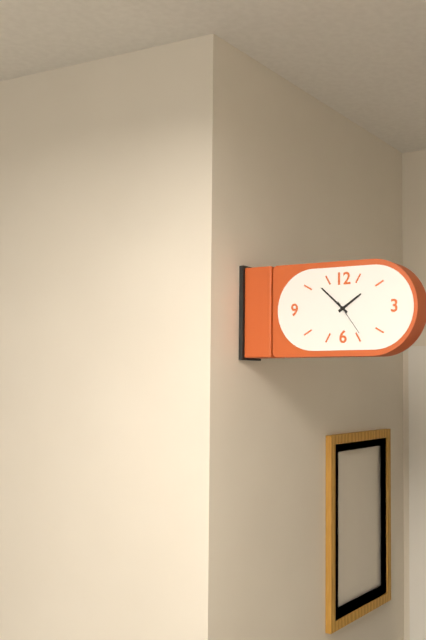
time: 1:52
